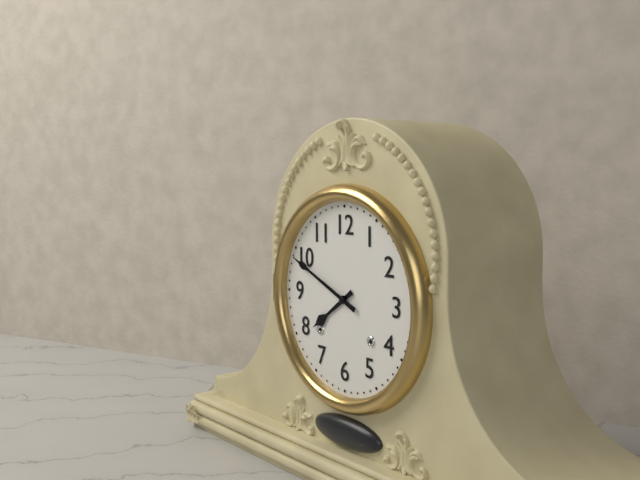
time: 7:49
